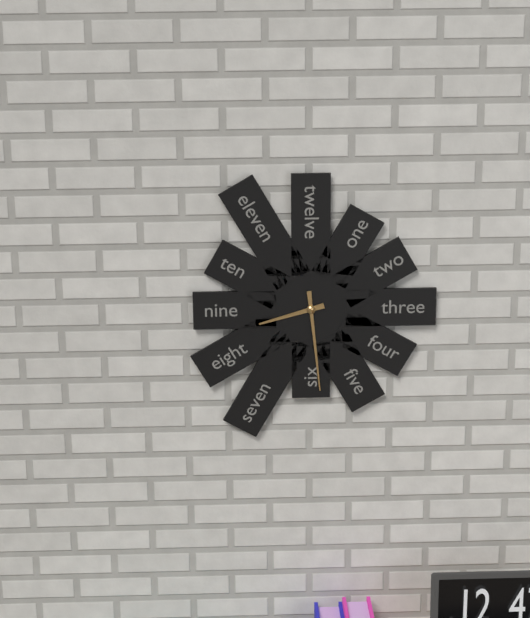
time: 8:29
